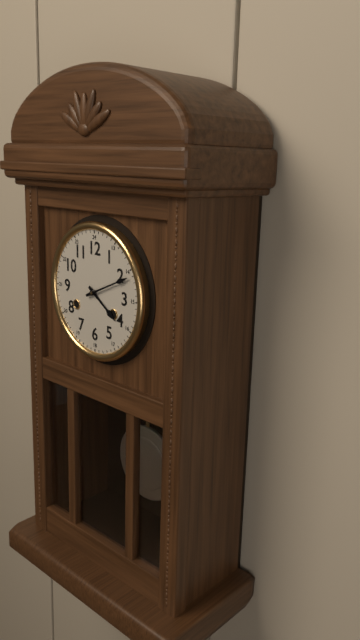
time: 4:11
